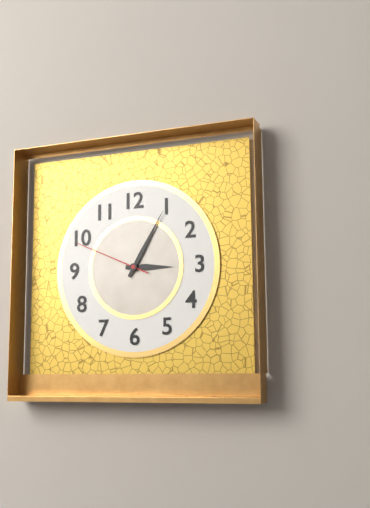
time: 3:05:49
